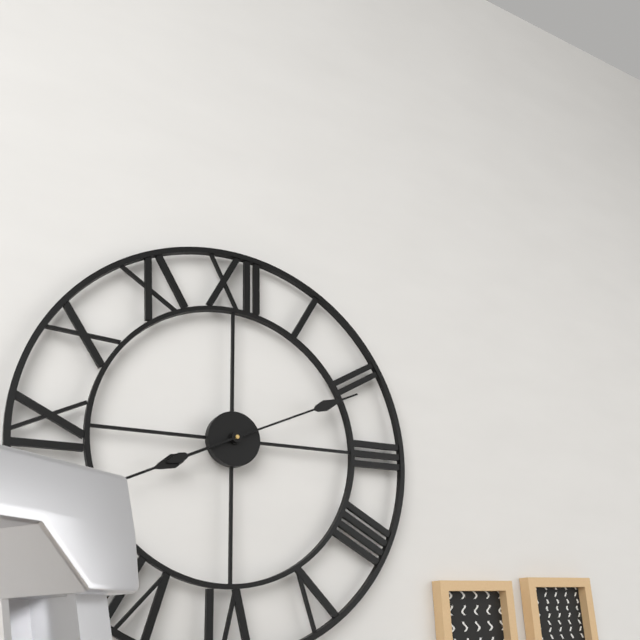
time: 8:11
